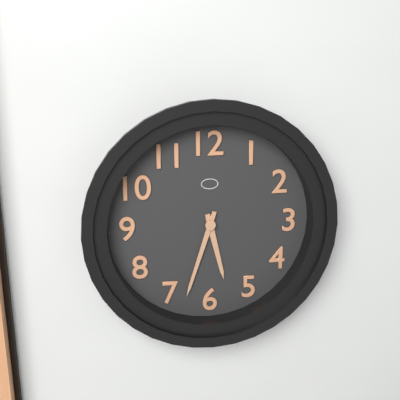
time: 5:33
